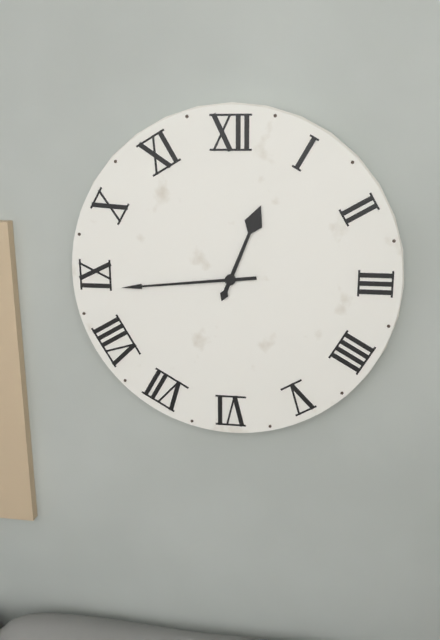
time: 12:44
